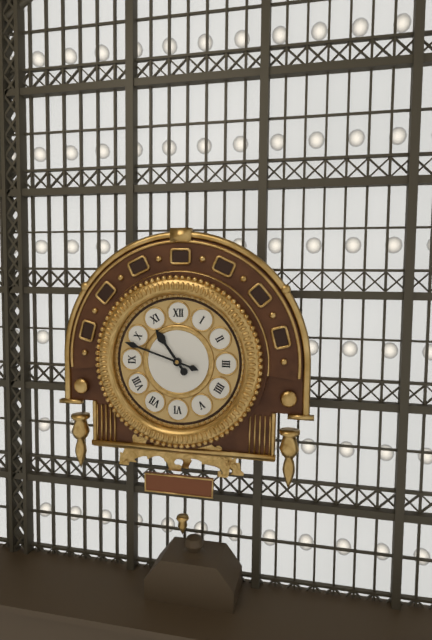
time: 10:48
